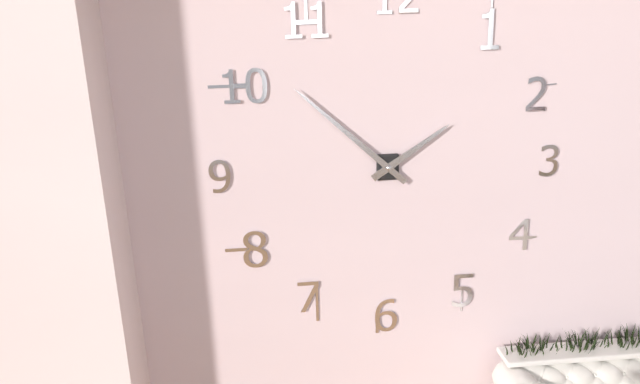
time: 1:52
